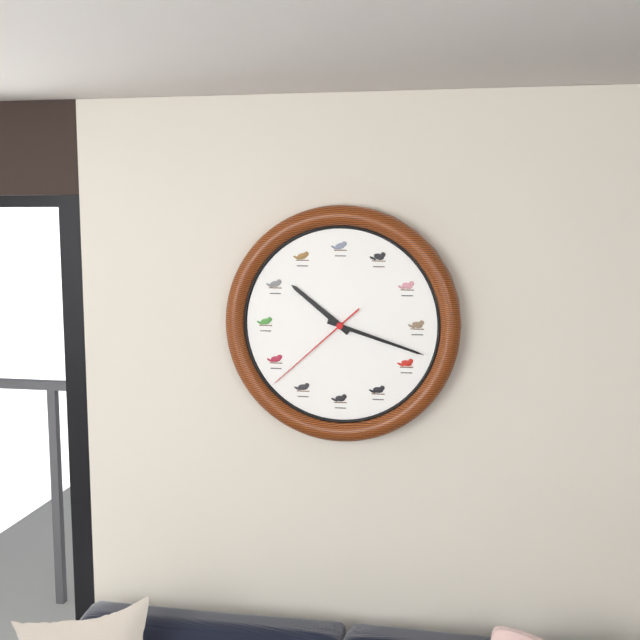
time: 10:18:38
